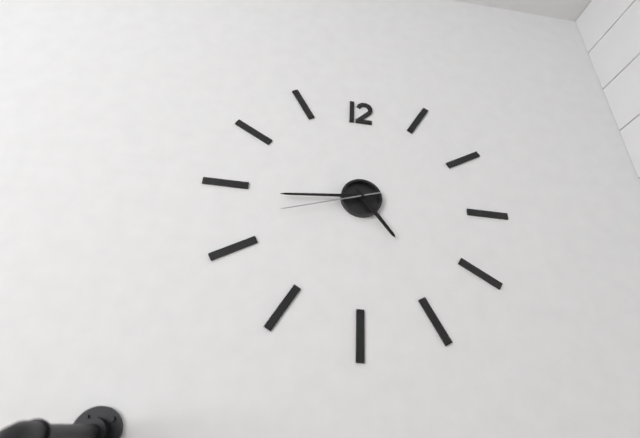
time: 4:44:42
